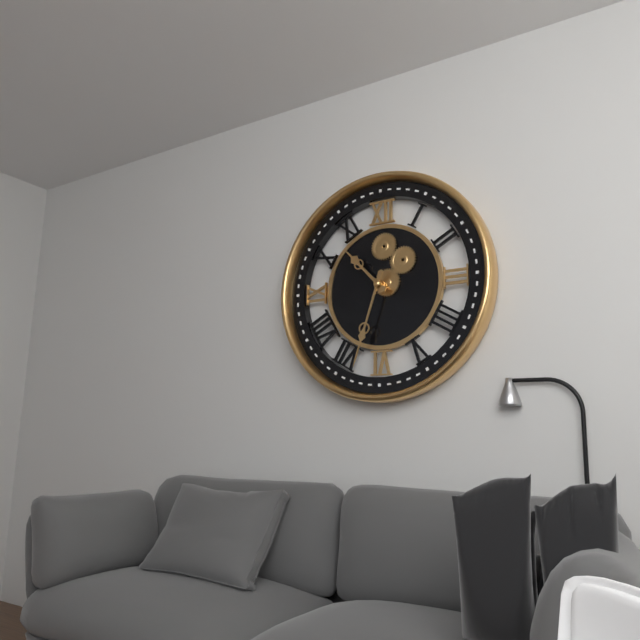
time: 10:33
